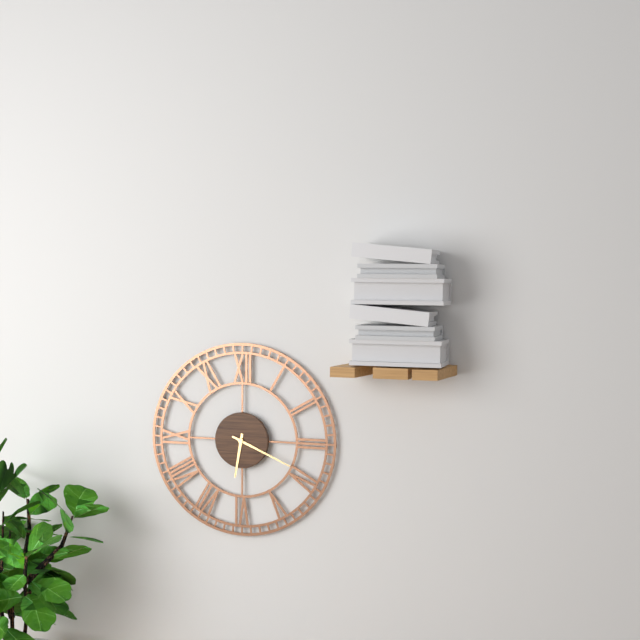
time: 6:19
